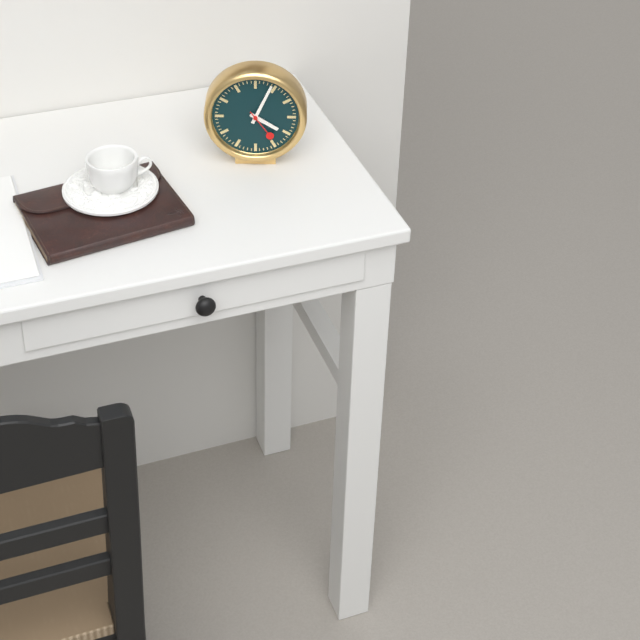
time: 4:04
